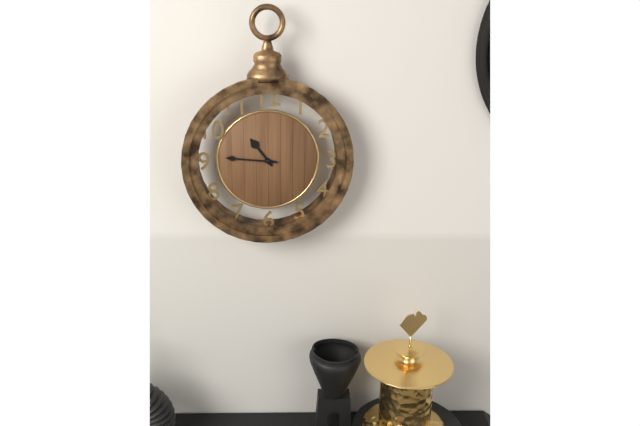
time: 10:46
